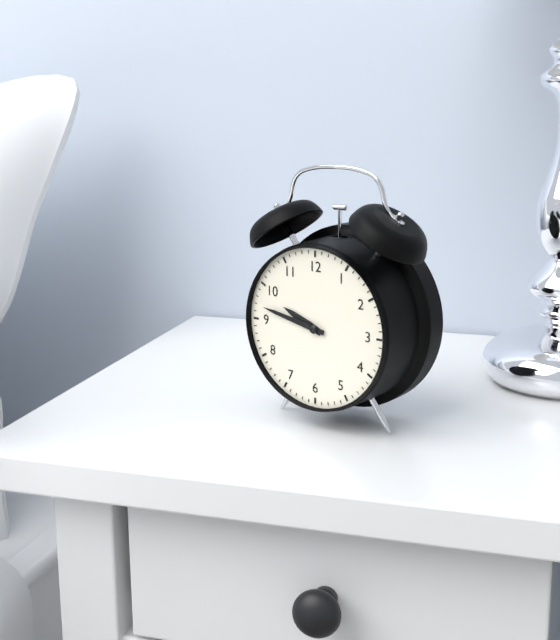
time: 9:47
